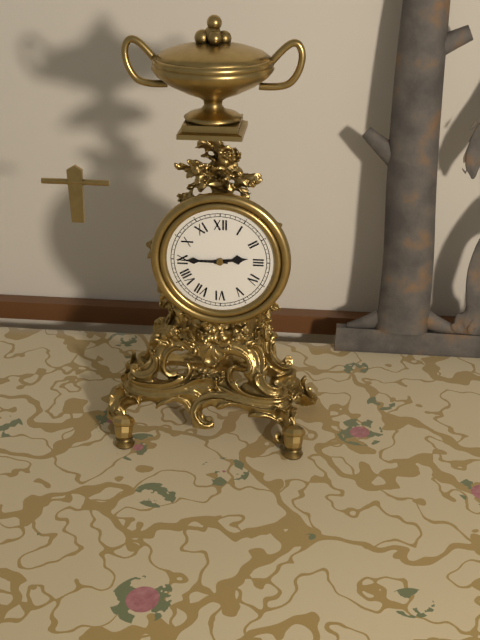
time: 2:45
